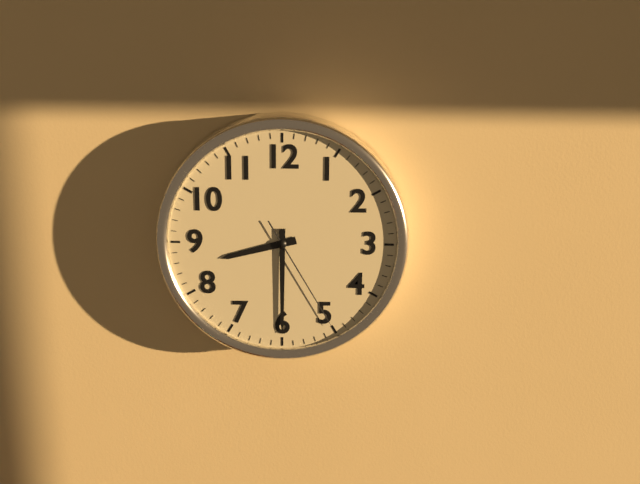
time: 8:30:25
